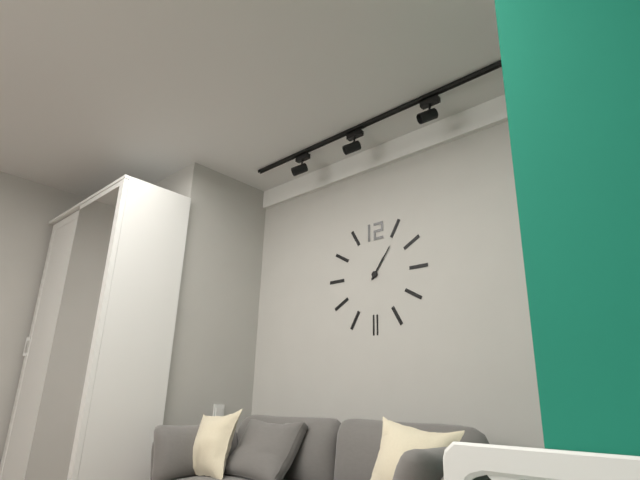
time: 1:06
